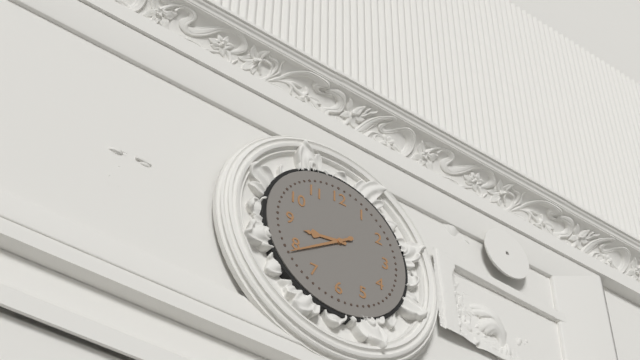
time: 8:39
